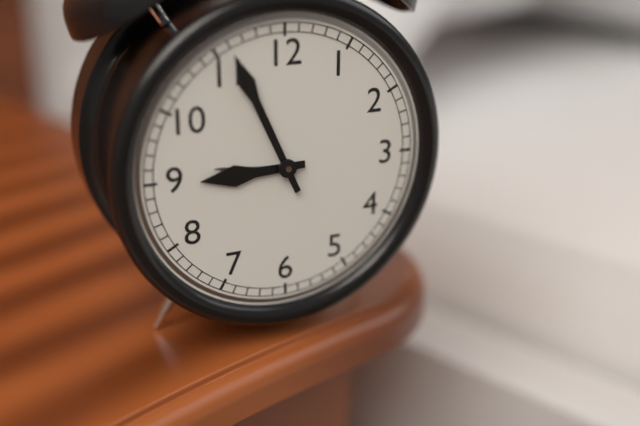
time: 8:56
